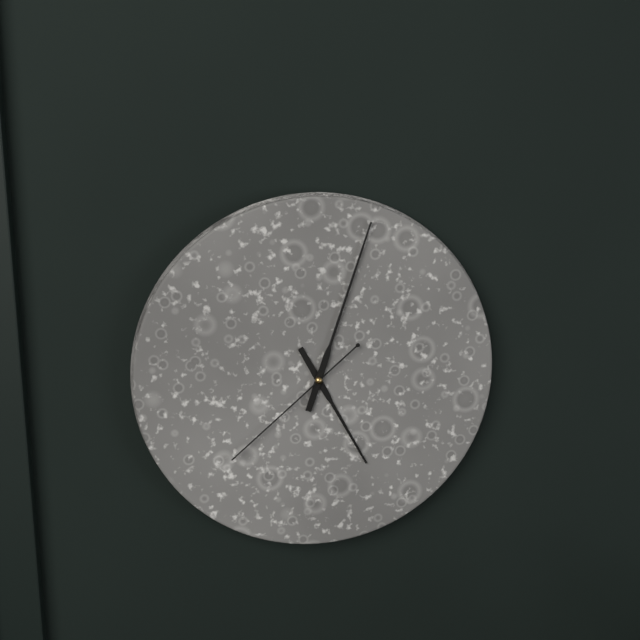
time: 5:03:38
